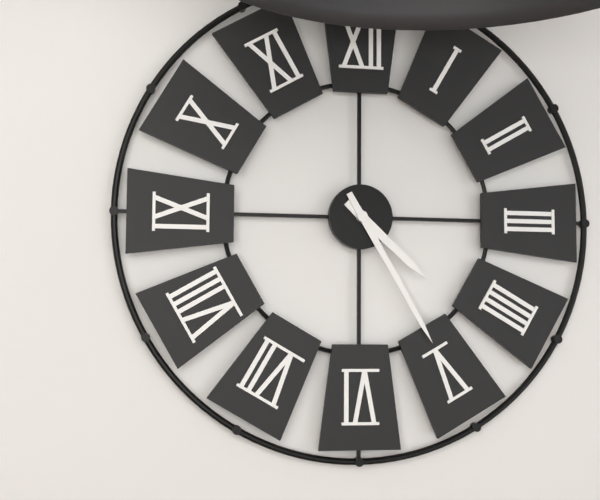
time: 4:25
